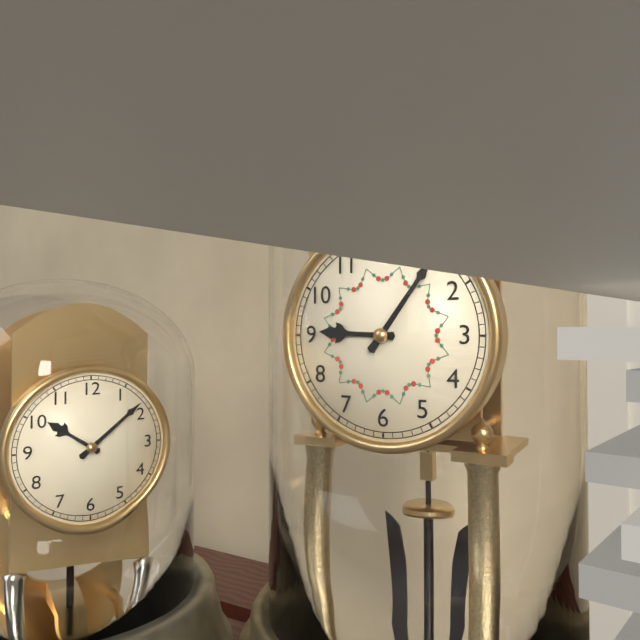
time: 9:06
